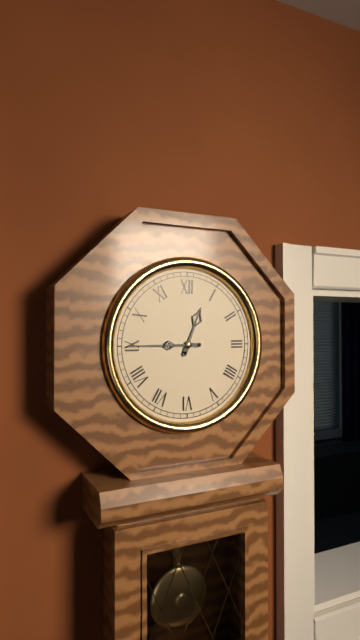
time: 12:45
